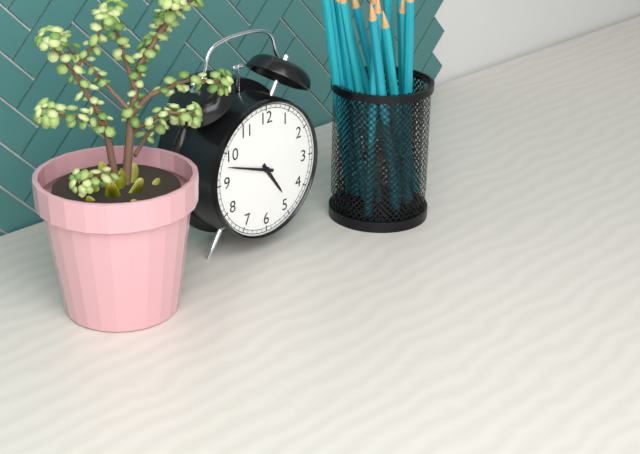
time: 4:48
